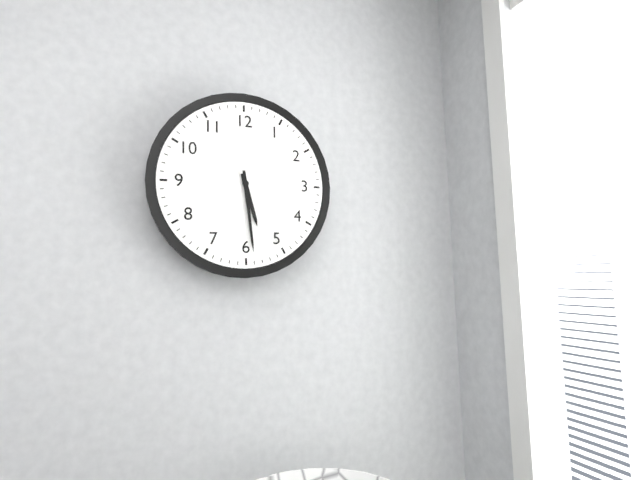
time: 5:29
